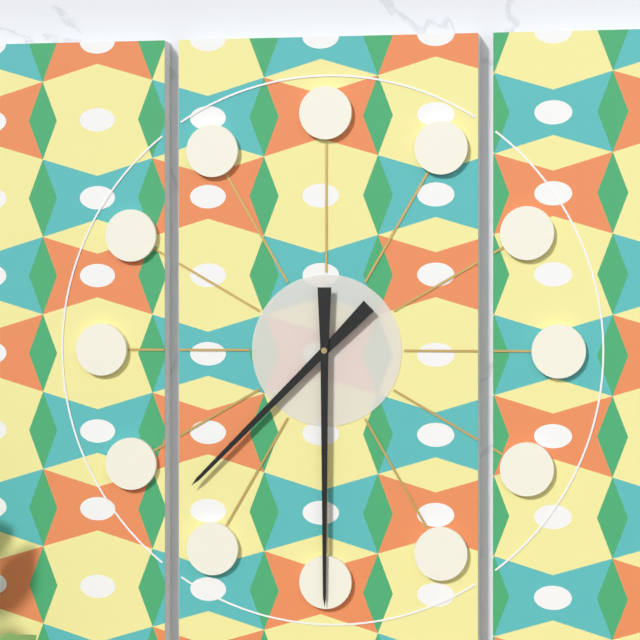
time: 7:30
